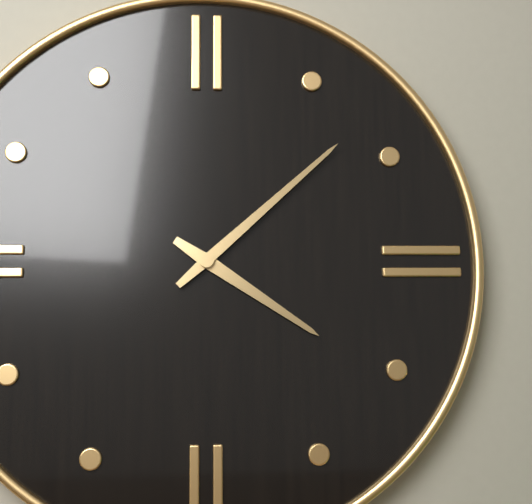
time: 4:08
